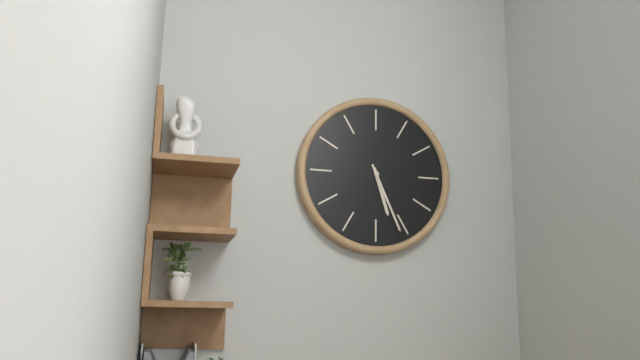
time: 5:26
